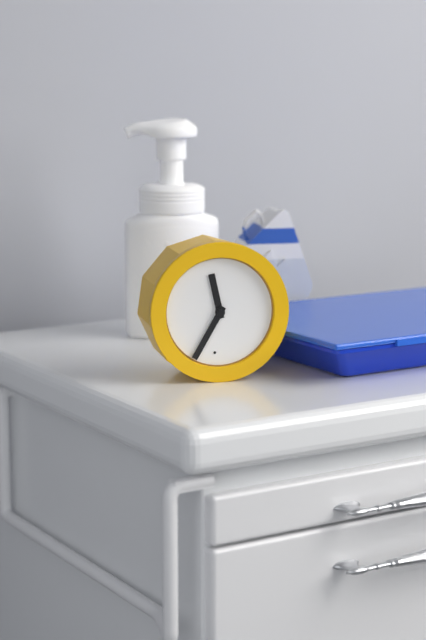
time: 11:35
